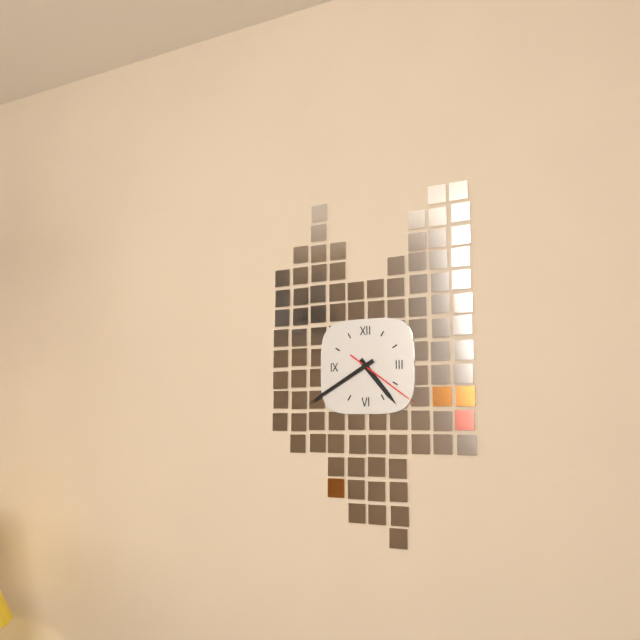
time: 4:40:21
